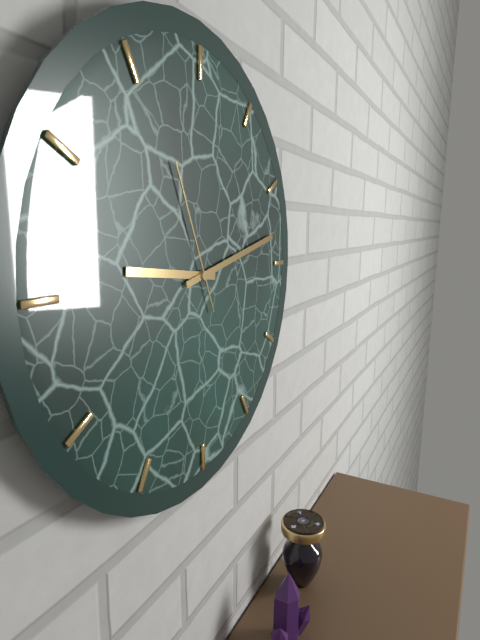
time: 9:13:56
